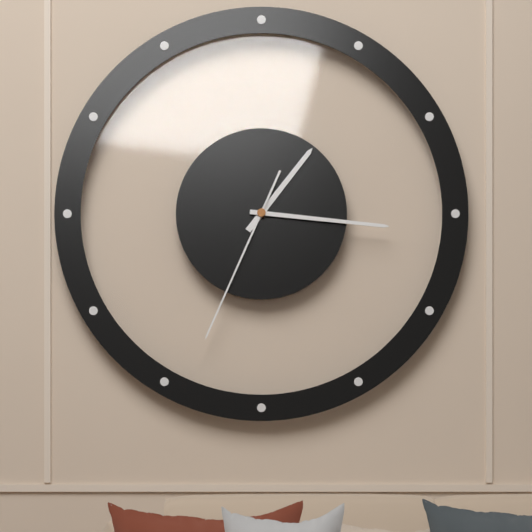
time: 1:16:34
